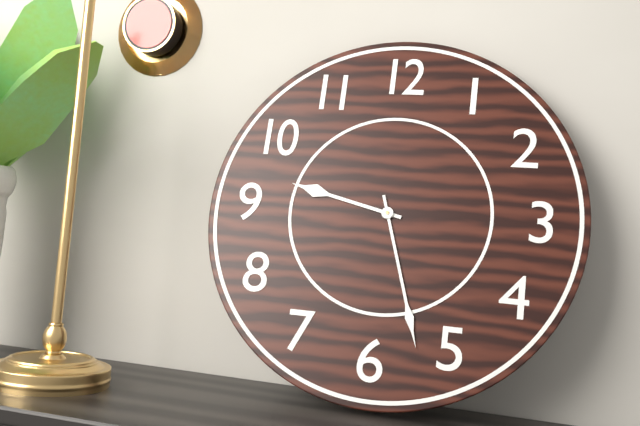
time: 9:27
